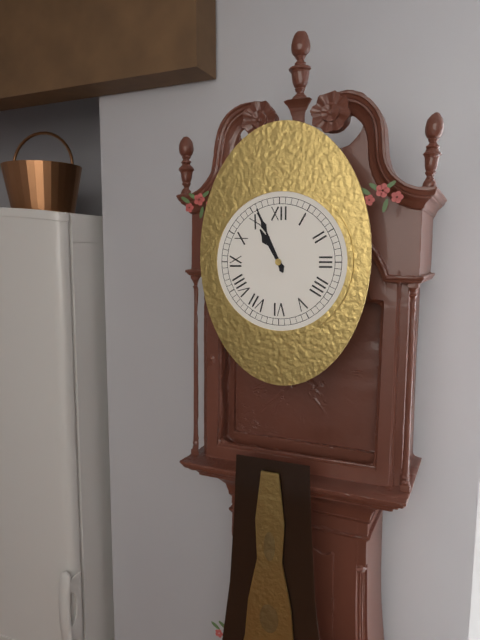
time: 10:56
